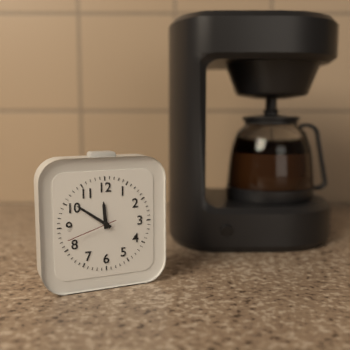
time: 11:51:42
